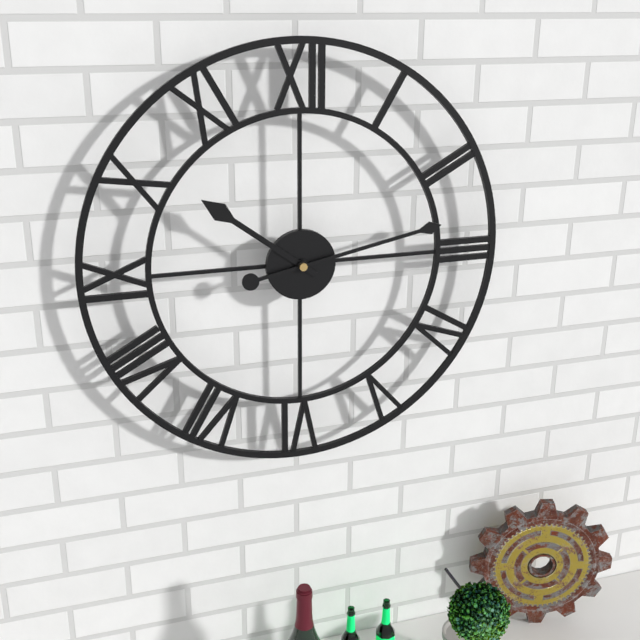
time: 10:13
